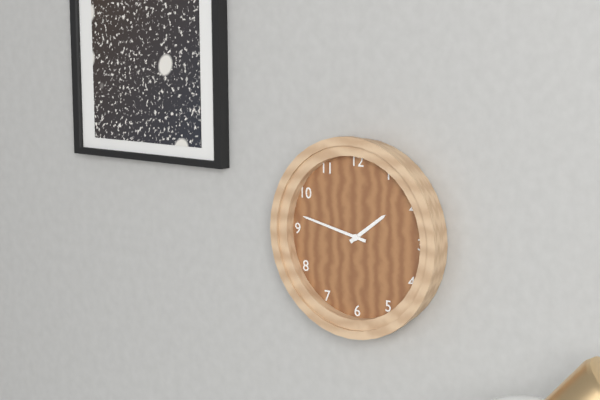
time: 1:47
